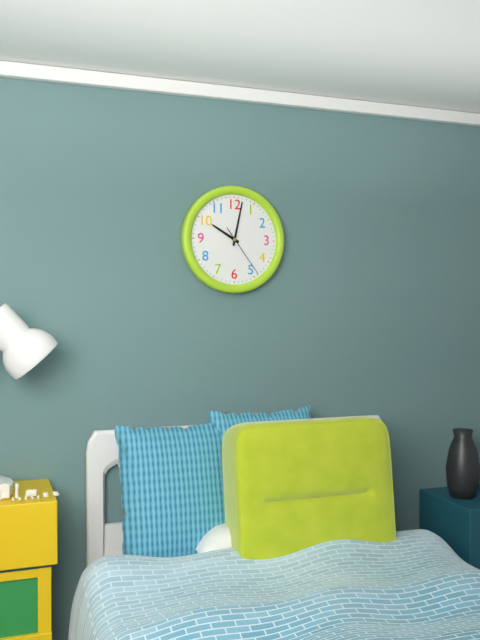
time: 10:02:24
